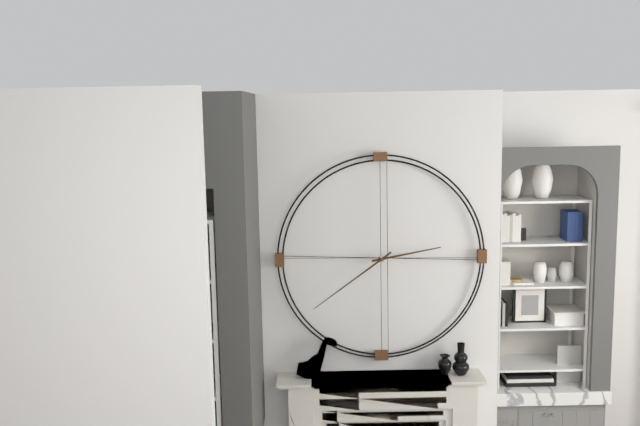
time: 2:39
